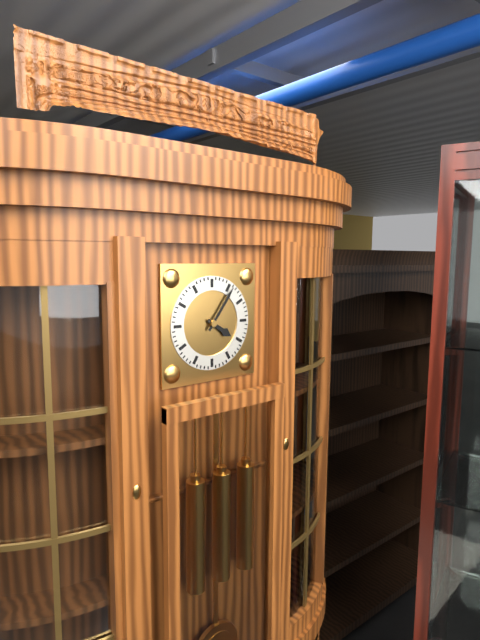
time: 4:06
